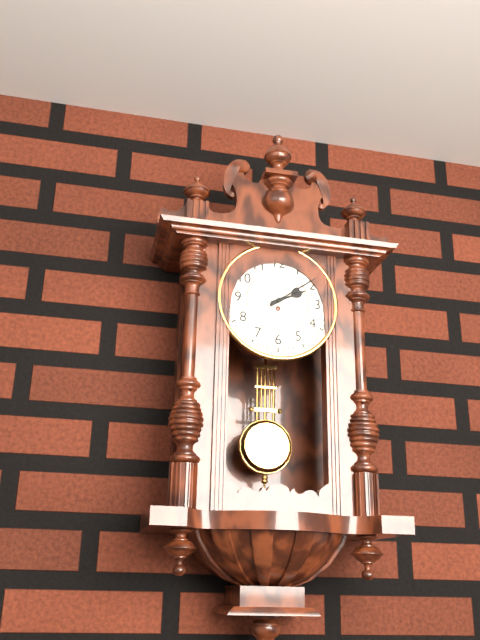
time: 2:09
